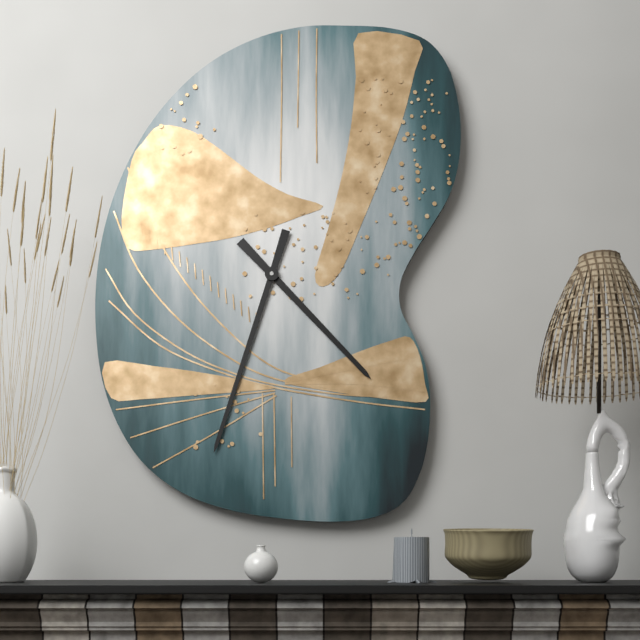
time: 4:33
